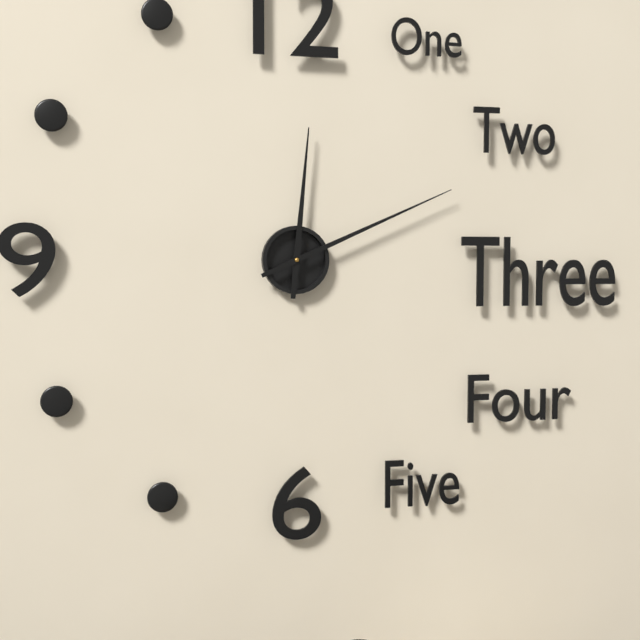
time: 12:11
